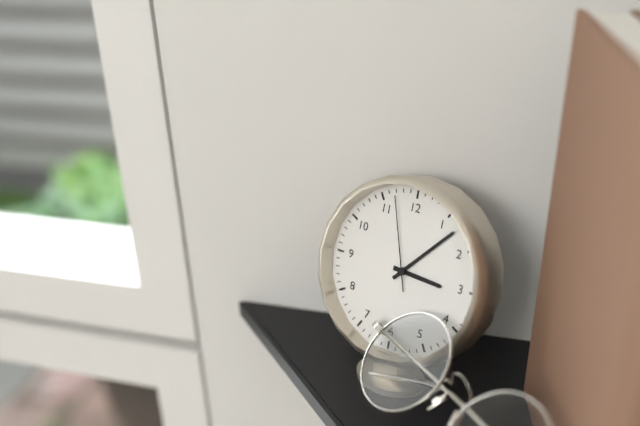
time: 3:07:57
